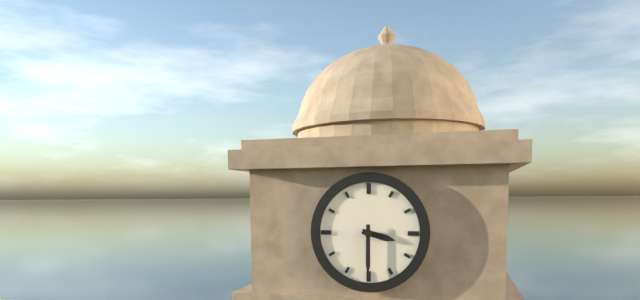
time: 3:30
